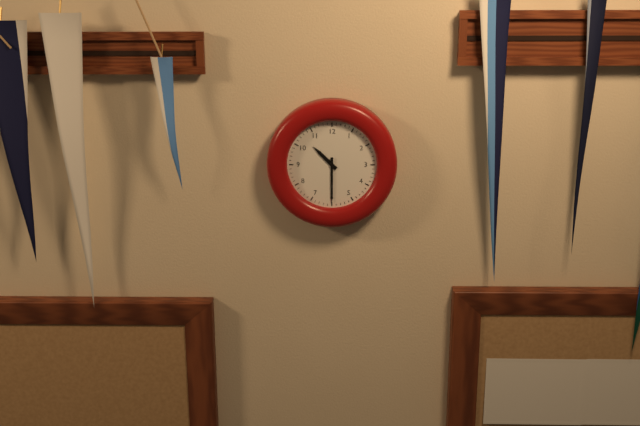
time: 10:30
